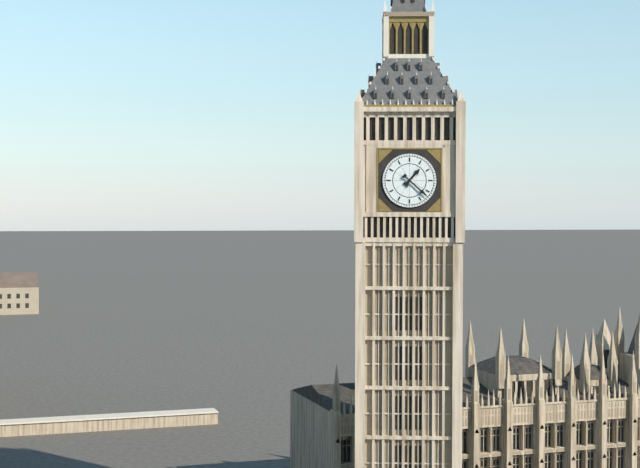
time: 1:22
